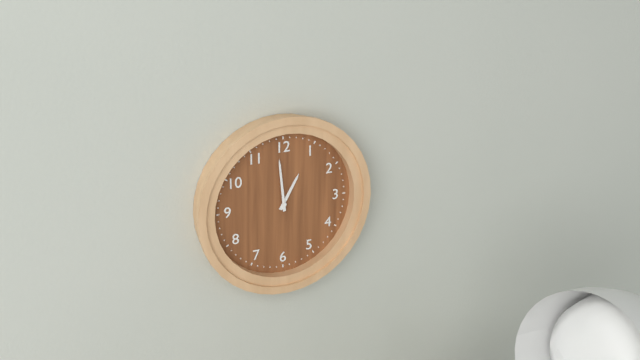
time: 12:59
